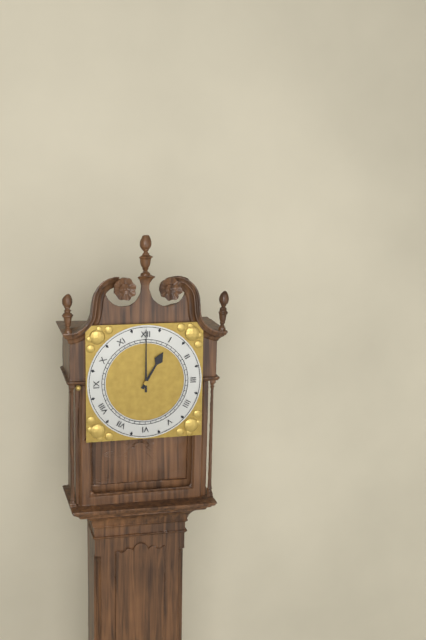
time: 1:00
